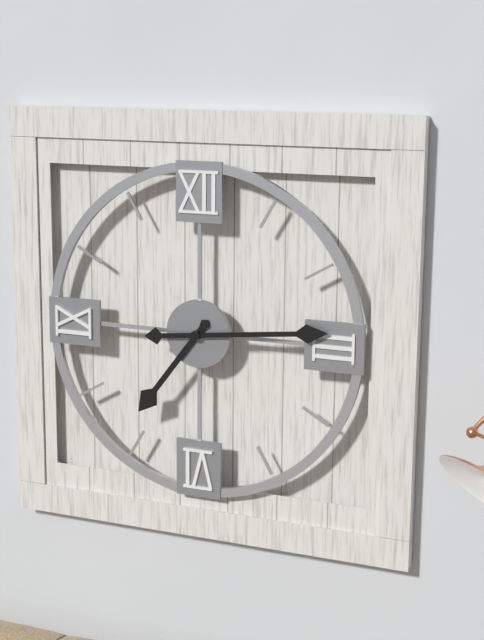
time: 7:14
